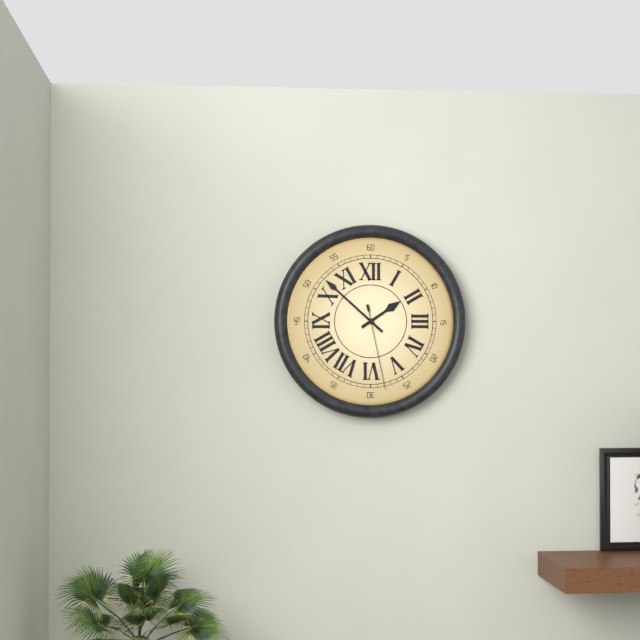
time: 1:52:28
